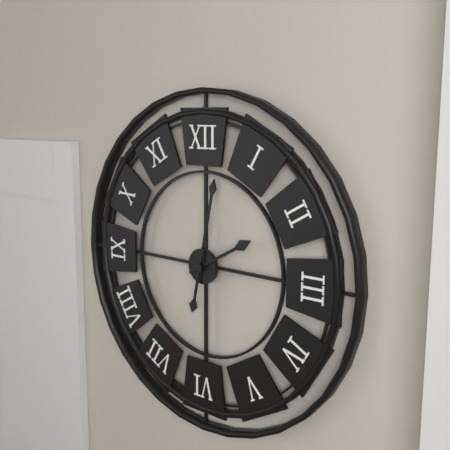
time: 2:02
